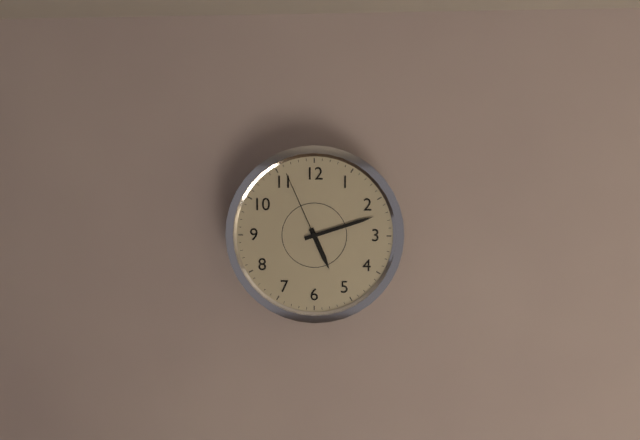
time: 5:12:56
